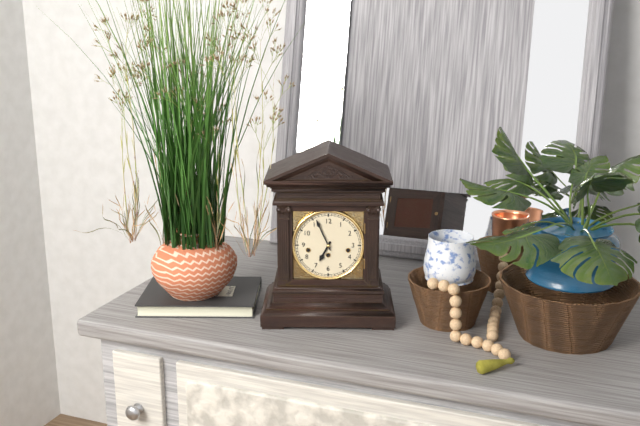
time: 6:56
